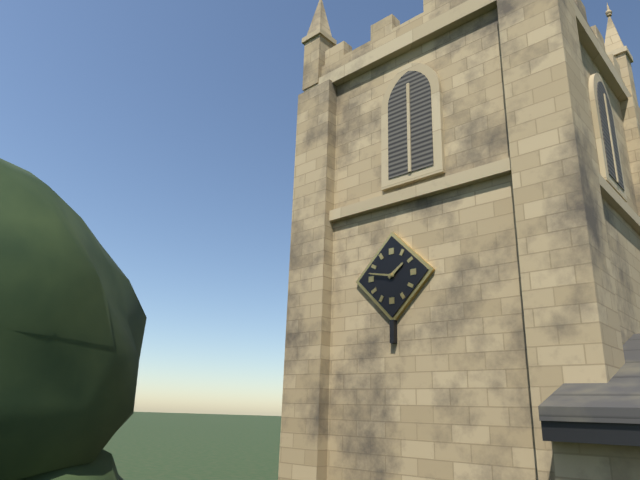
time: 1:47
